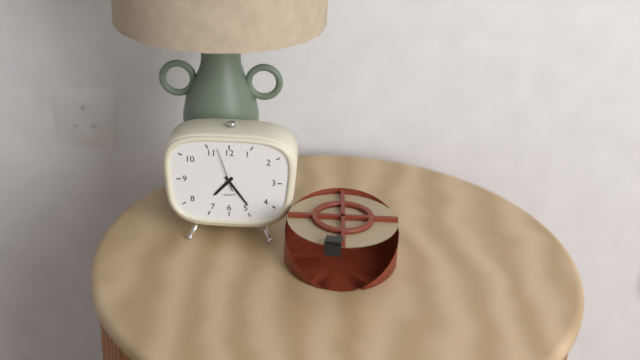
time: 7:24
